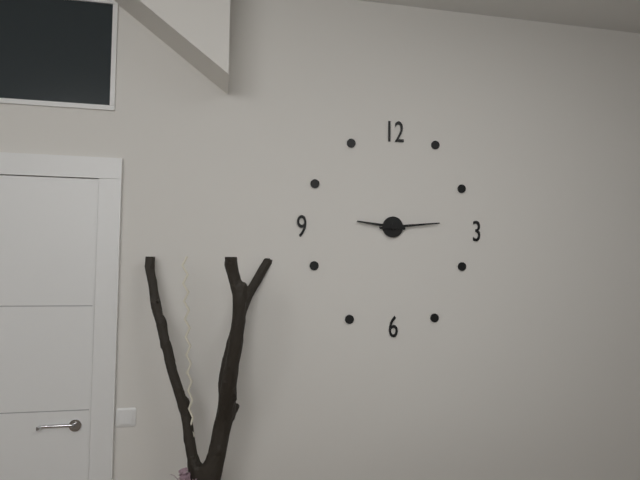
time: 9:14
